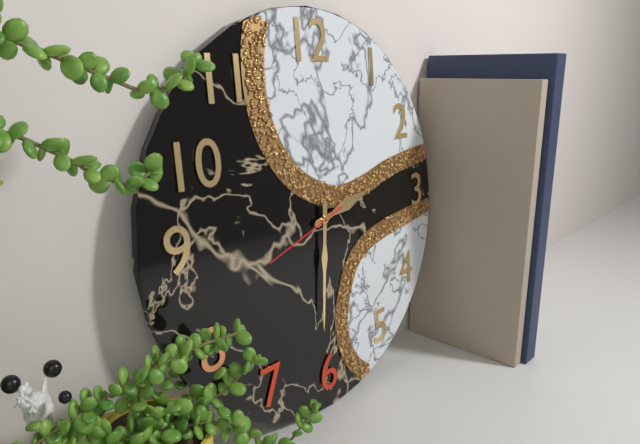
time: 2:31:42
